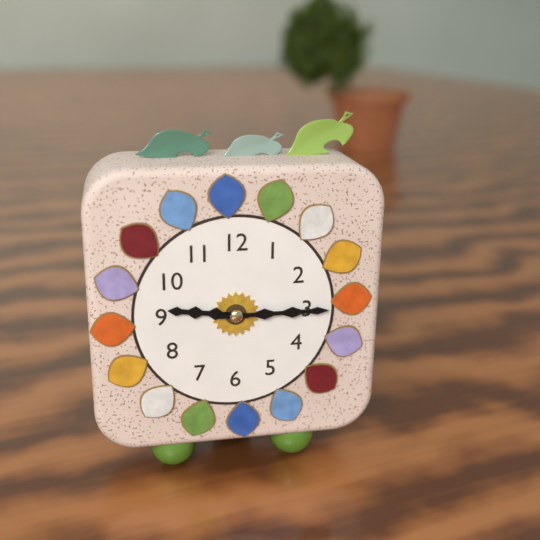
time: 9:15
